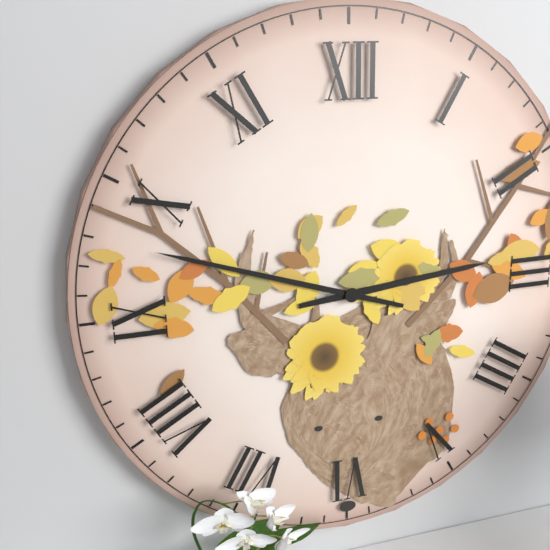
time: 2:48
